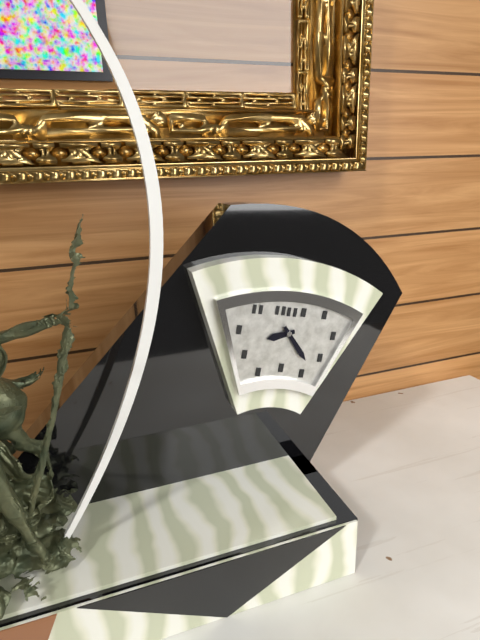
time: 8:23
